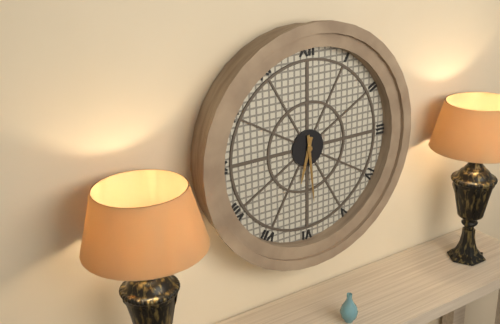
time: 6:29
